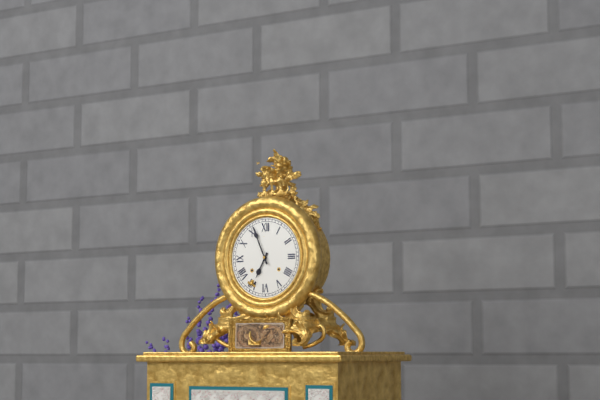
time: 6:56
